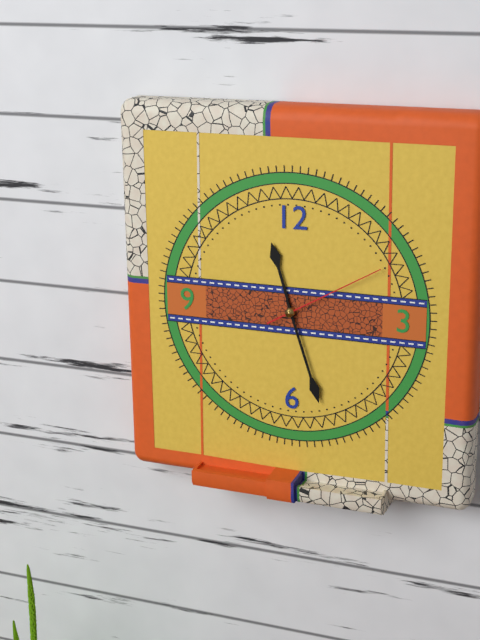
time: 11:27:10
